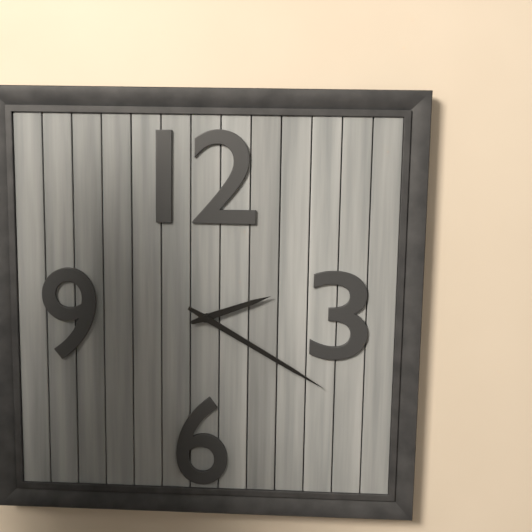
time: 2:20
